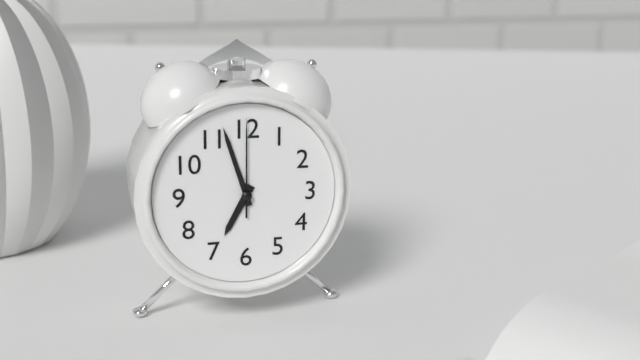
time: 6:57:00
